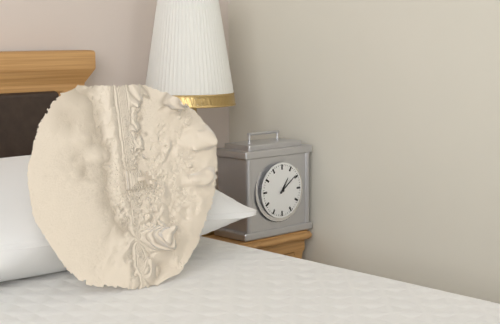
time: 1:09
